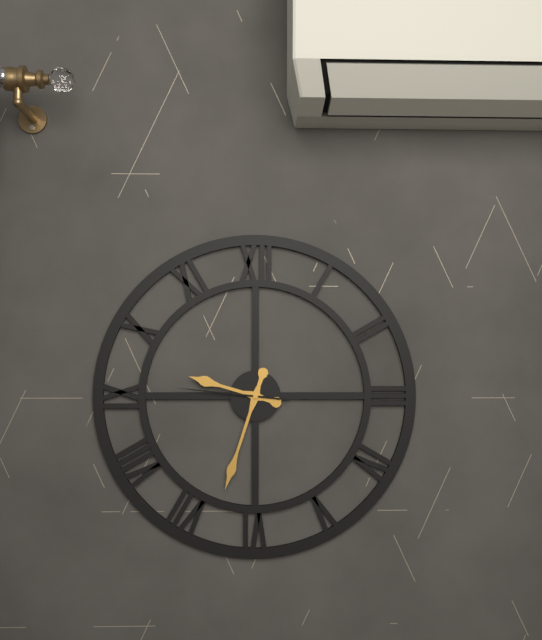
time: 9:33:46
